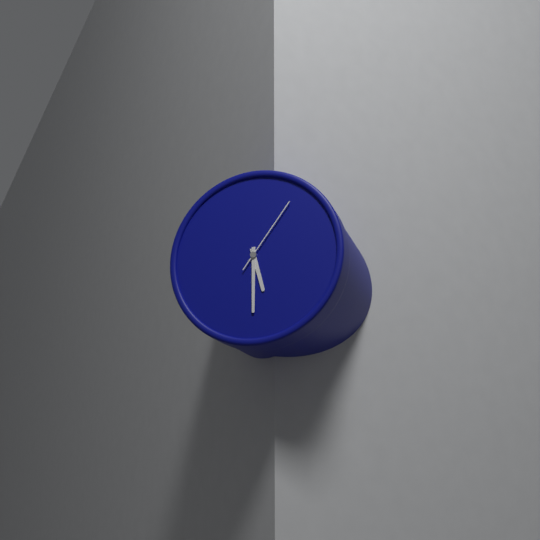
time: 5:30:06
